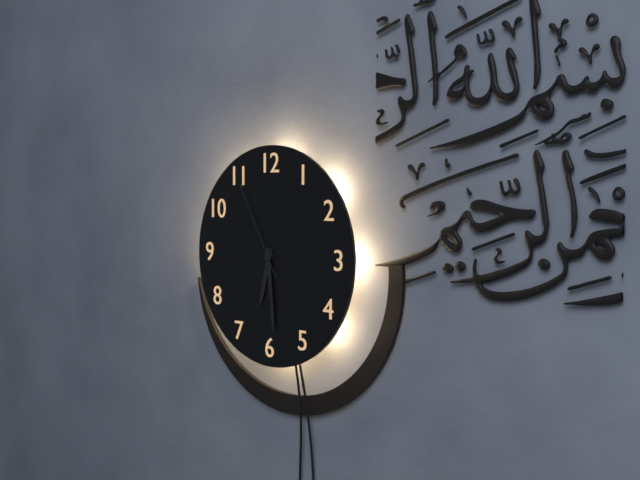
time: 6:29:55
